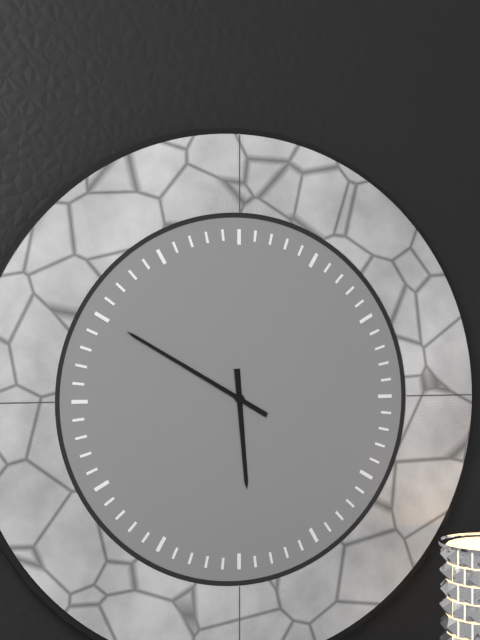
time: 5:50
